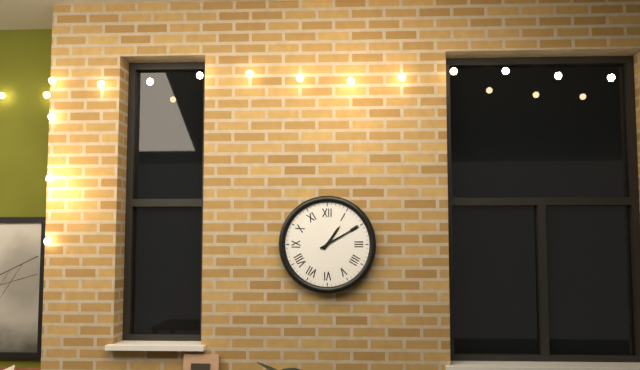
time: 1:10
